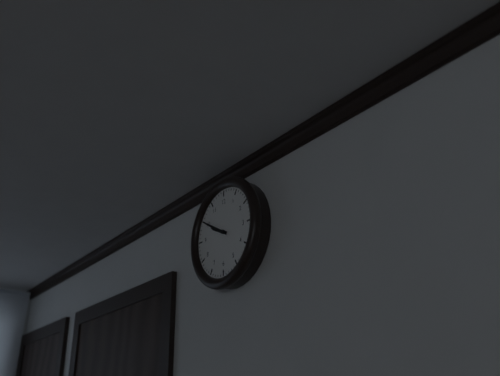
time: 9:50
